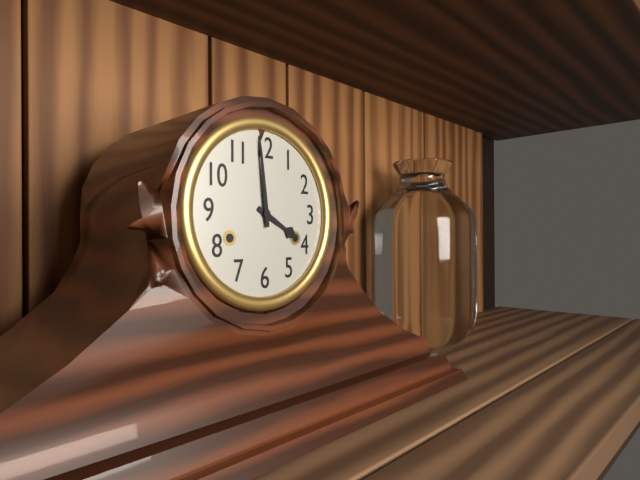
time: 3:59
